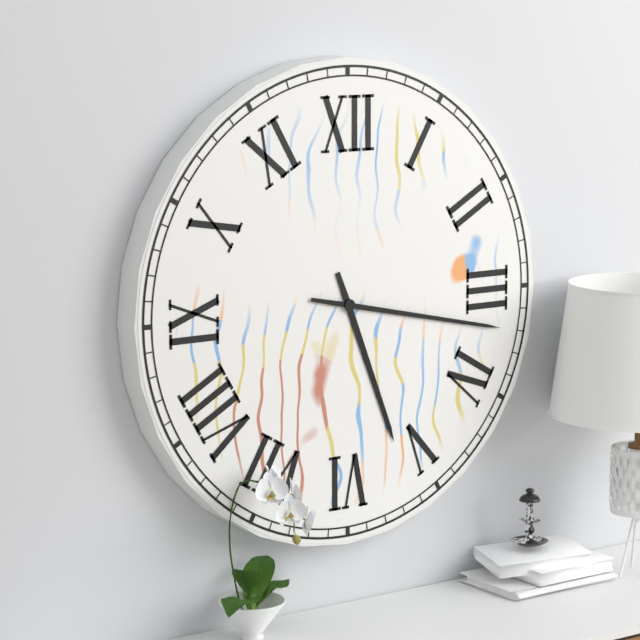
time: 5:17
